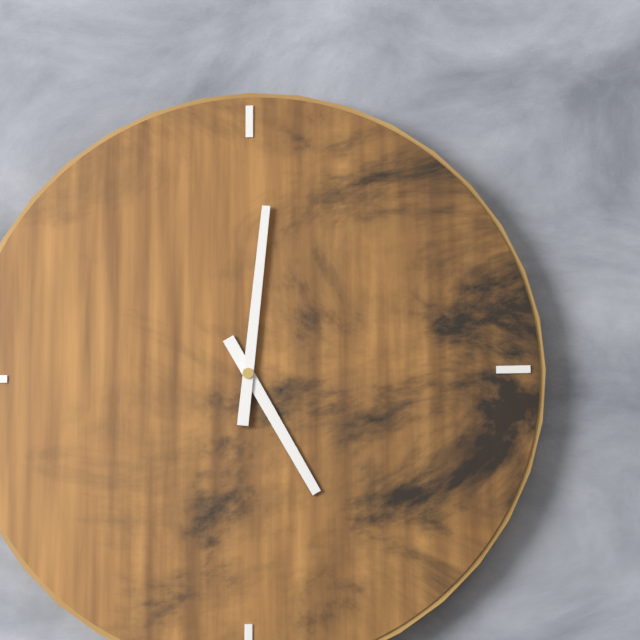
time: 5:01
